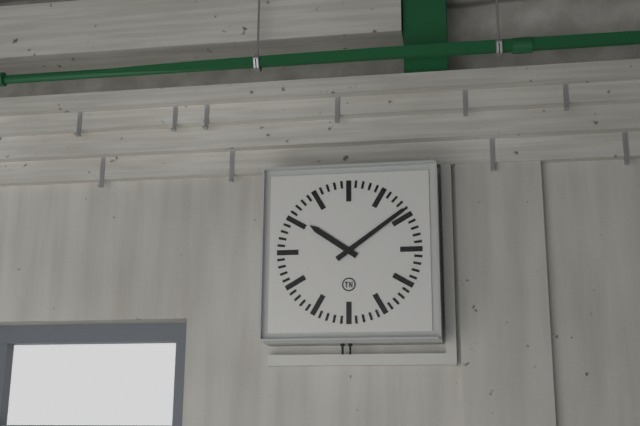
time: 10:09
